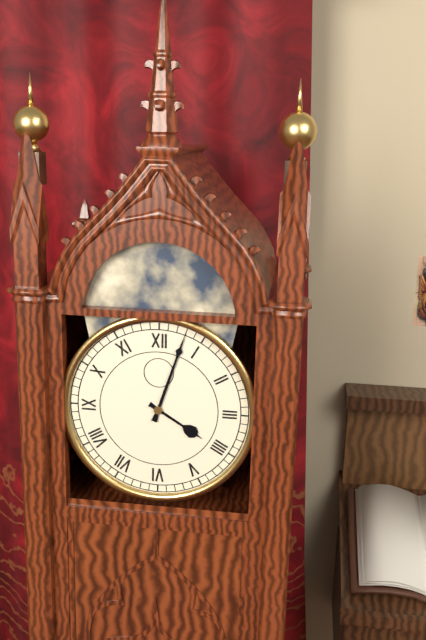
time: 4:03
